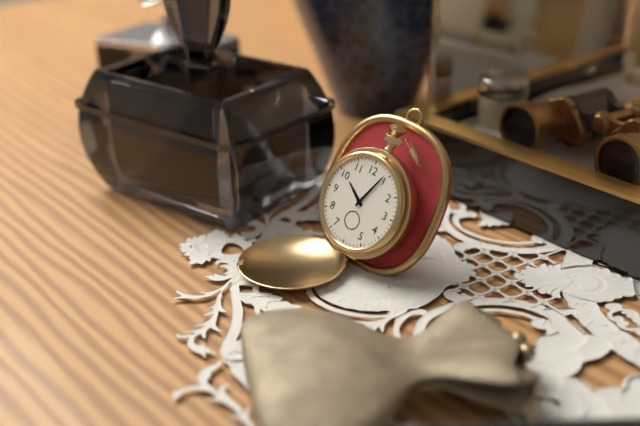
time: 10:04
